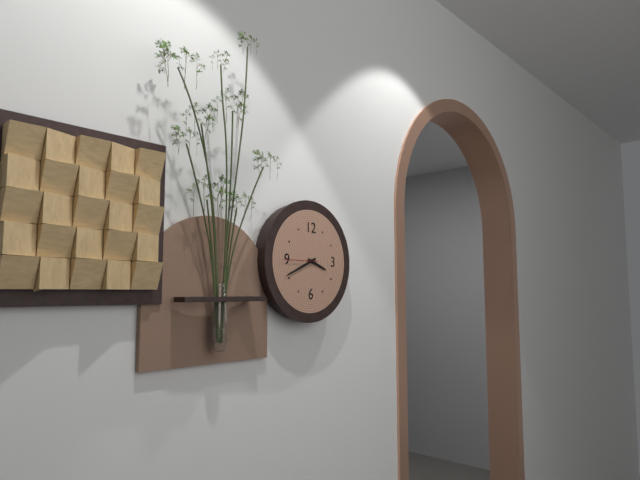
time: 3:41
